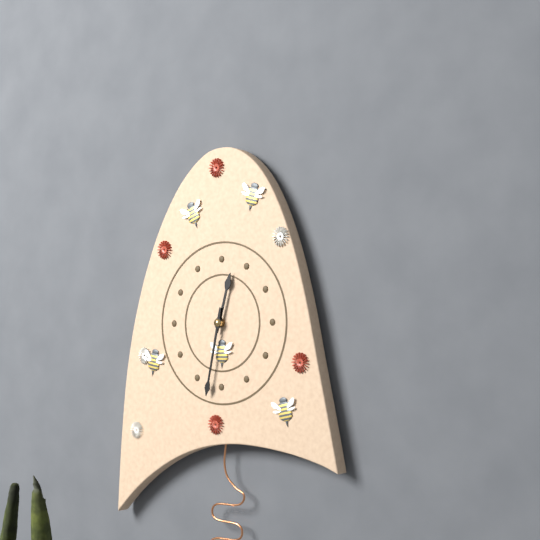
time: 12:32
